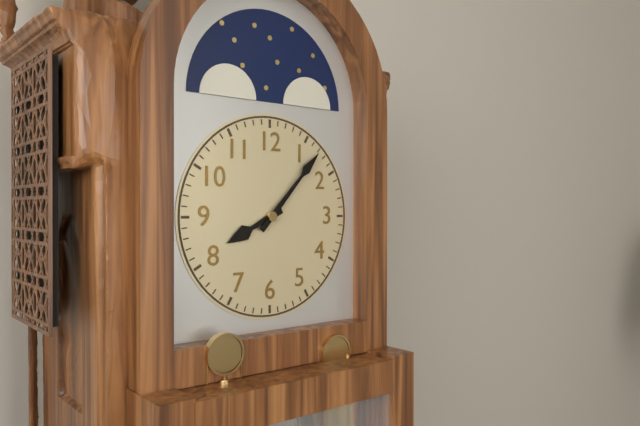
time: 8:07
